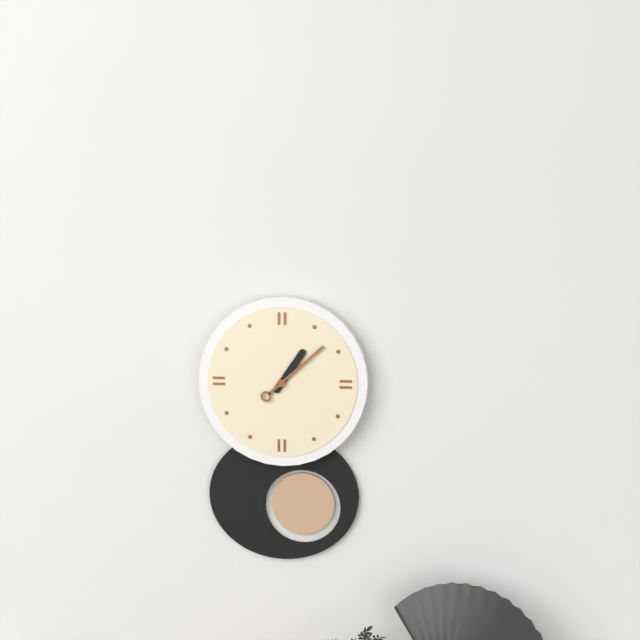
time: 1:08
